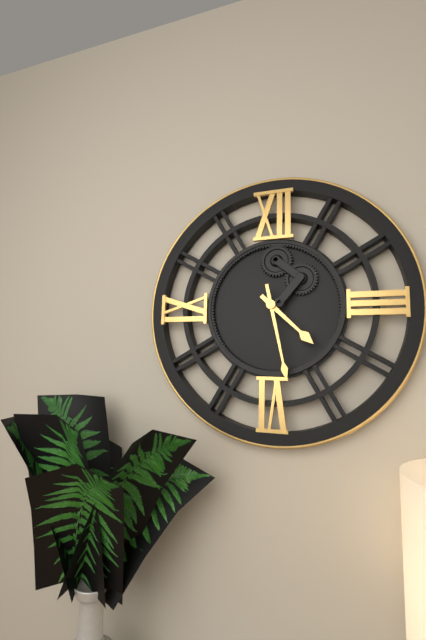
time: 4:28
